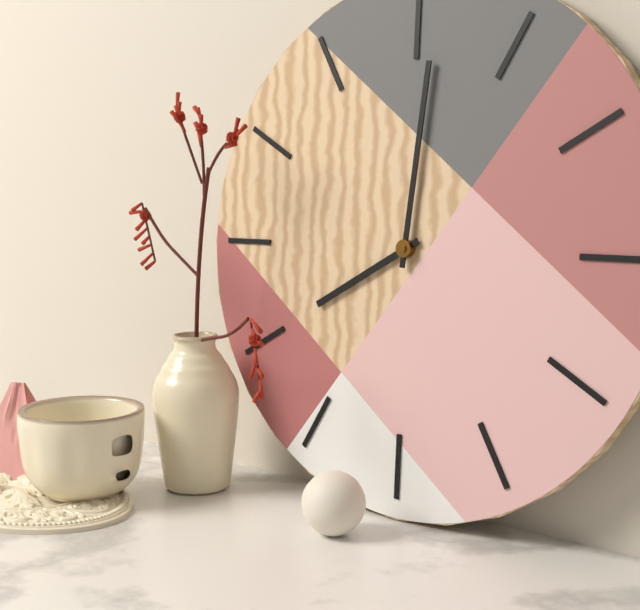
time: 8:01
